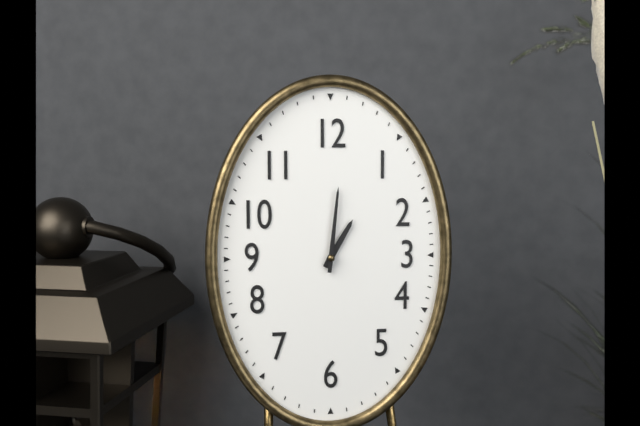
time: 1:01
